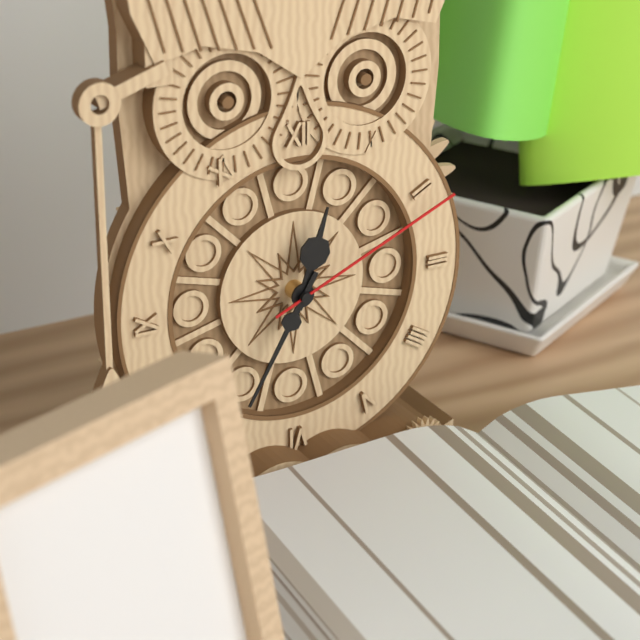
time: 12:35:11
